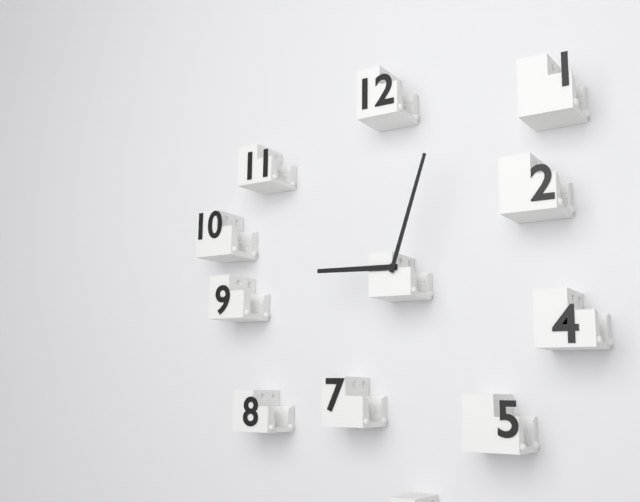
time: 9:03
